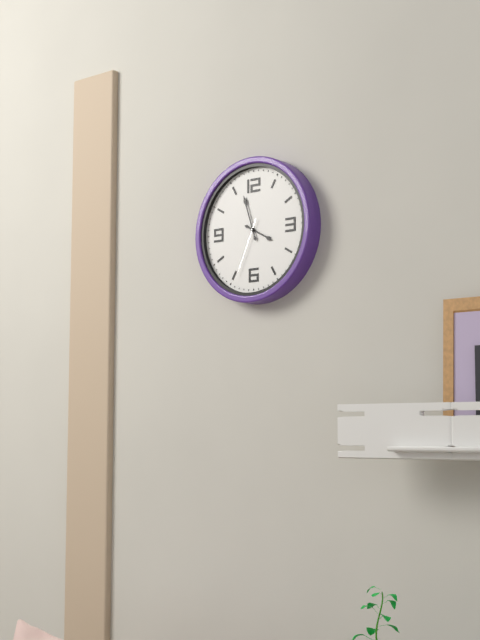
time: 3:57:34
